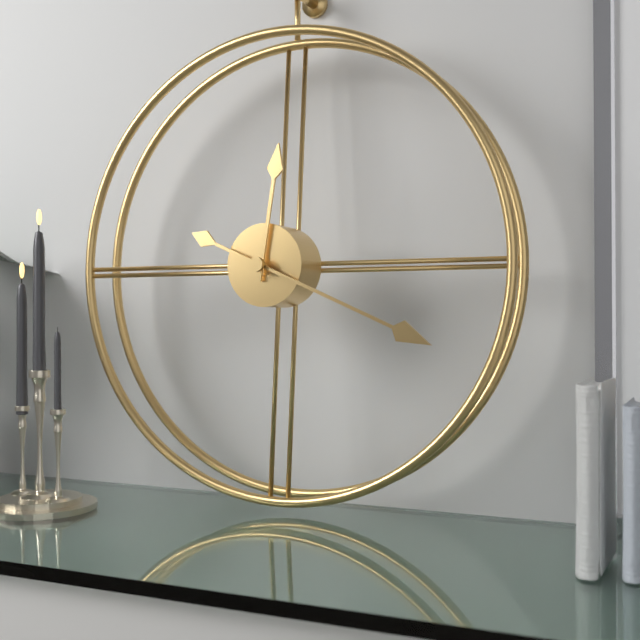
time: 12:19
